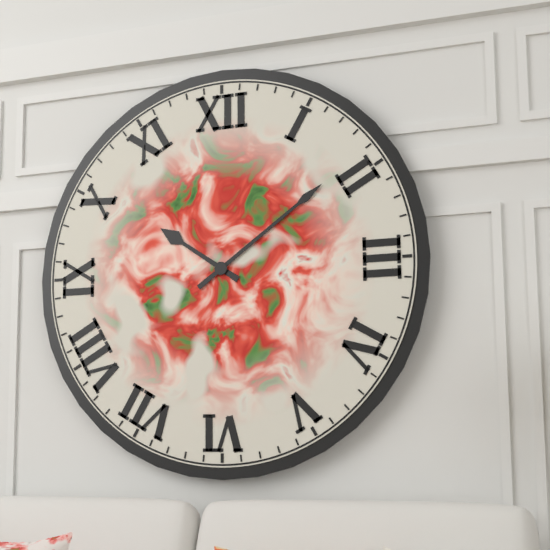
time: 10:09
